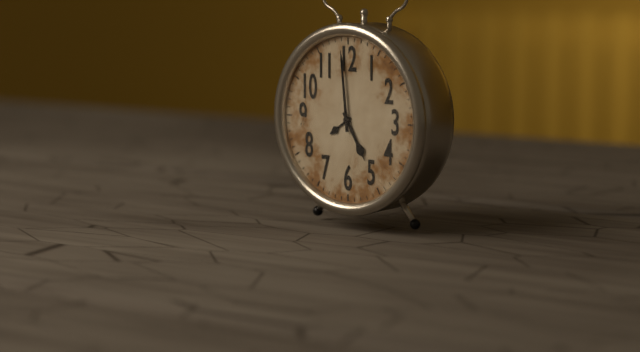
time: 4:59
